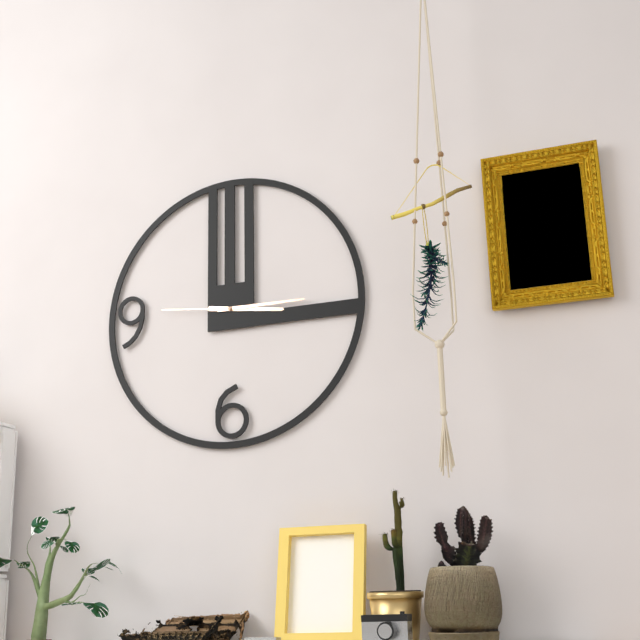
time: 3:15:46
